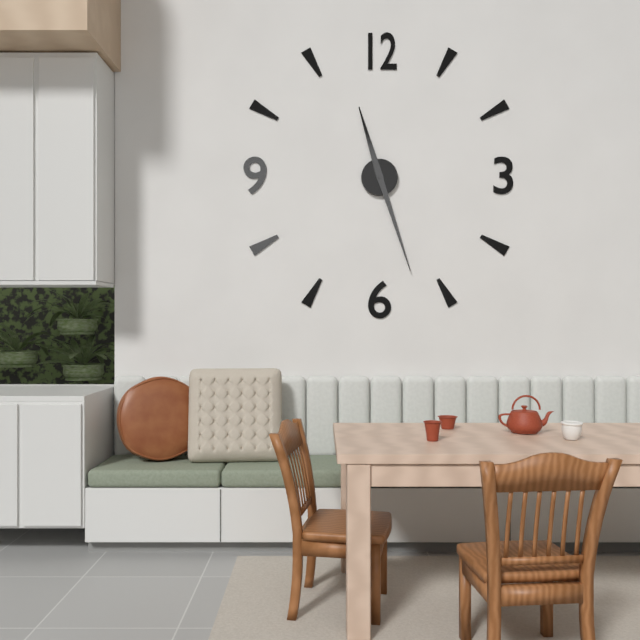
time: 11:27
